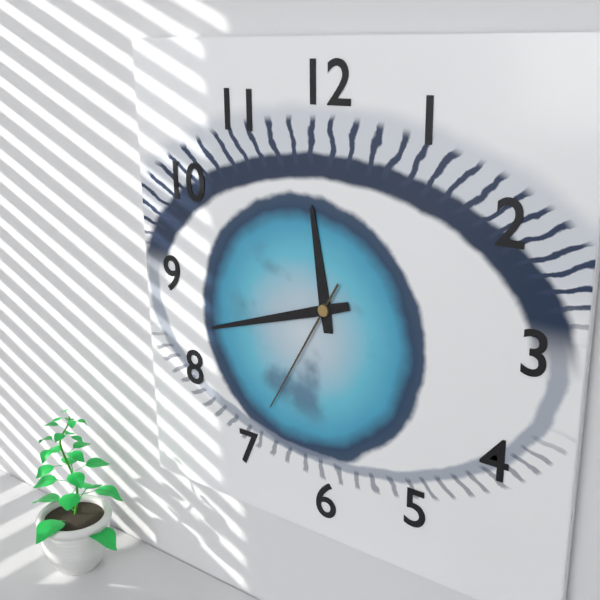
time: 11:42:35
